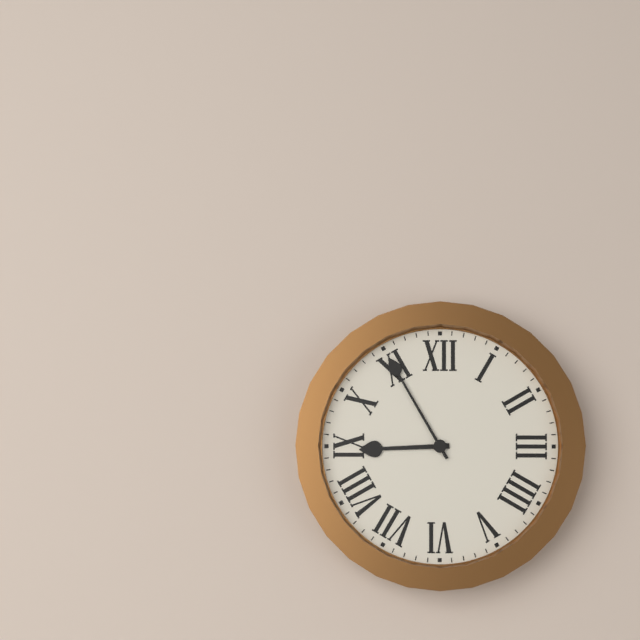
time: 8:55
